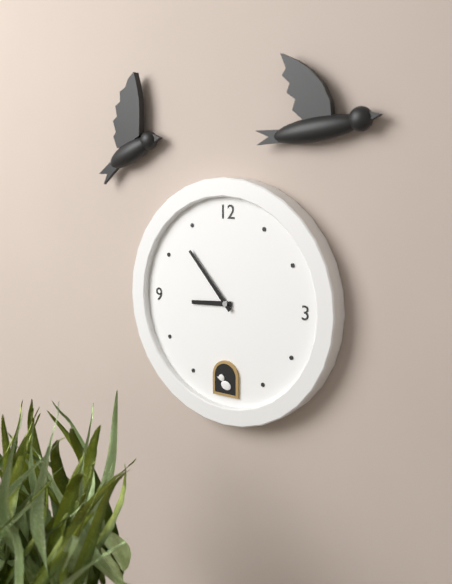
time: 8:53
